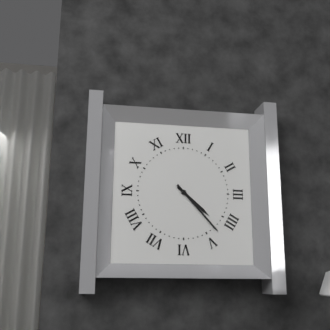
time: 4:23
